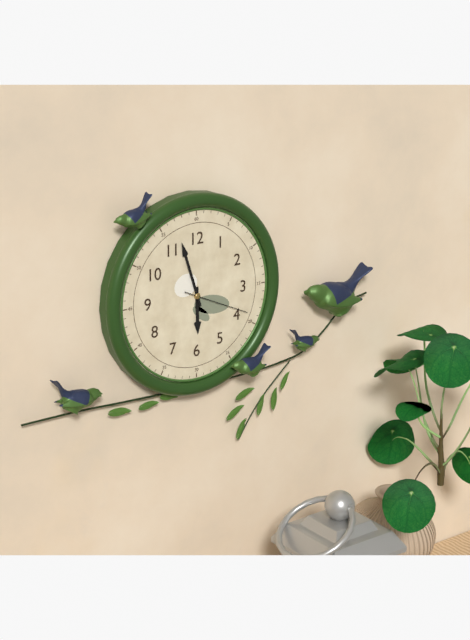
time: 5:57:19
